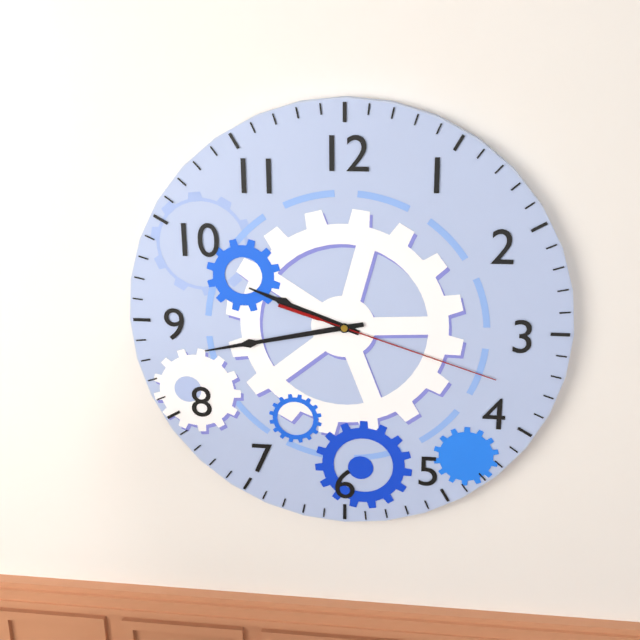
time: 9:43:18
